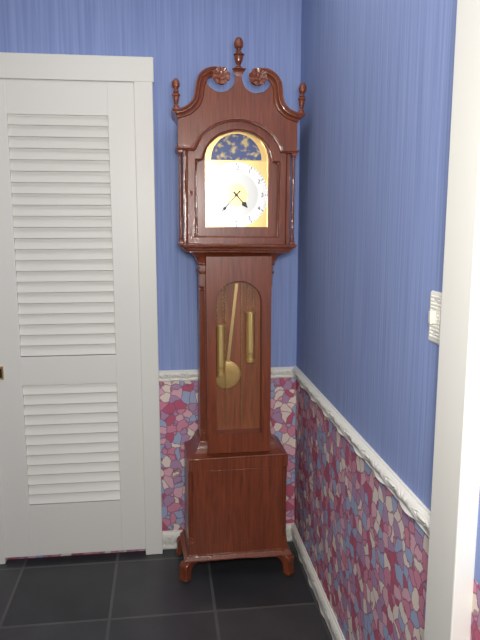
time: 4:37
